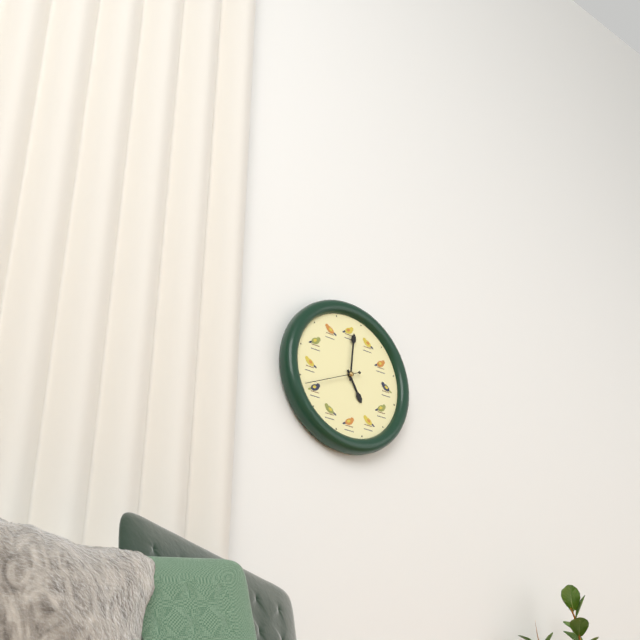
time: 5:01
